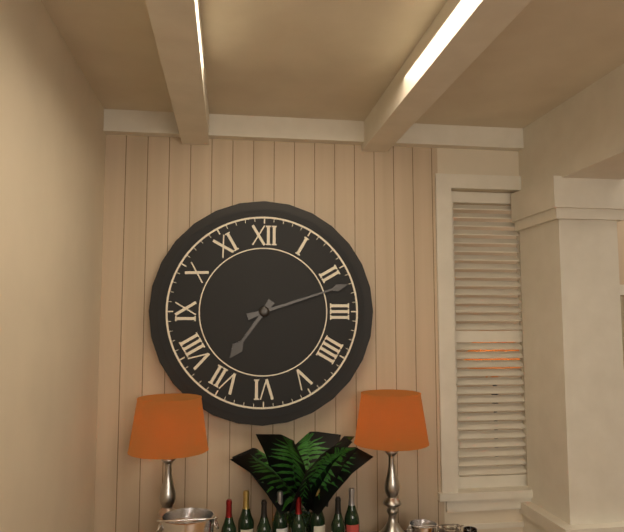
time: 7:12
